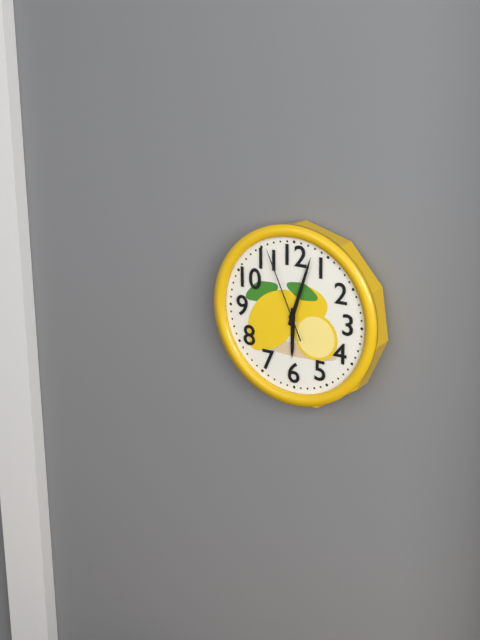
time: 6:03:56
